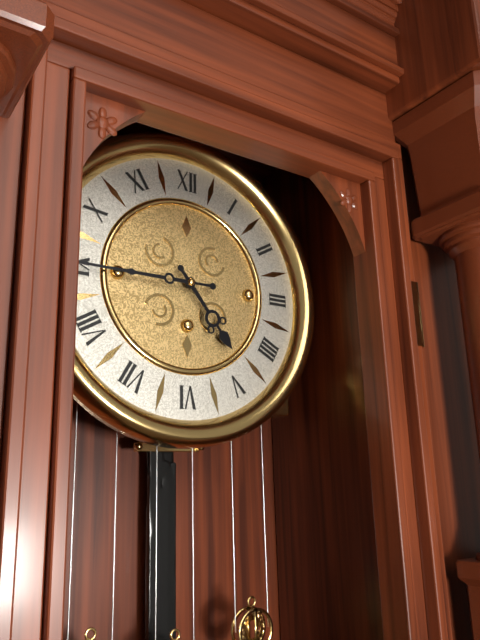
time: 4:45
